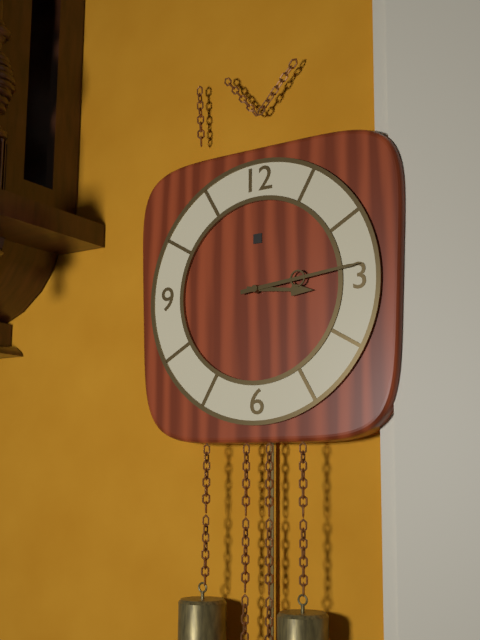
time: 3:14
